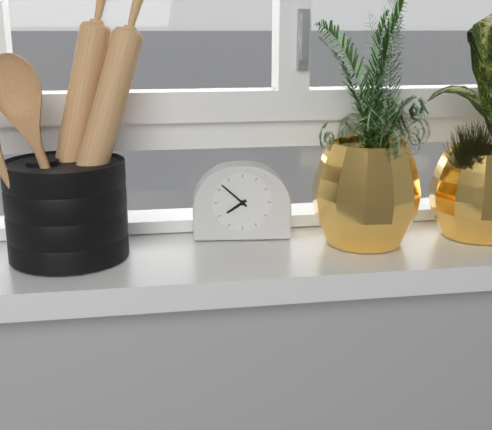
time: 7:52
